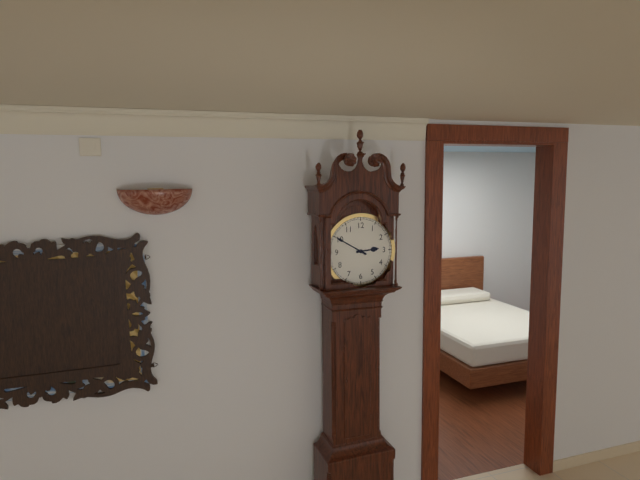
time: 2:50
